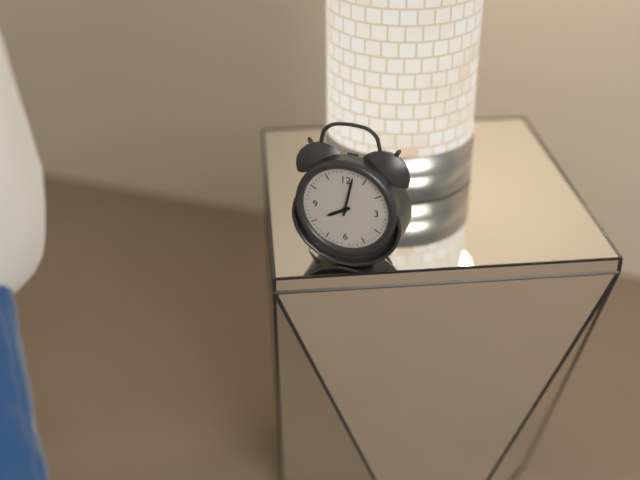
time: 8:02
